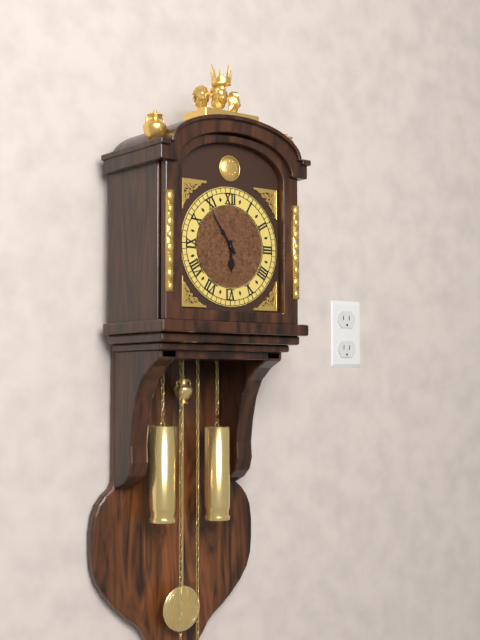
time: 5:54
